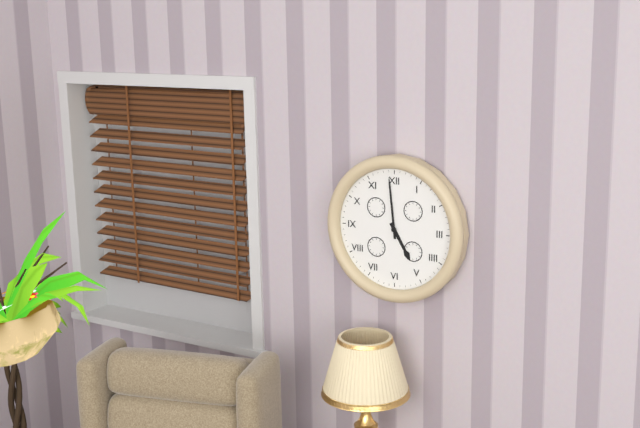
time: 4:59
